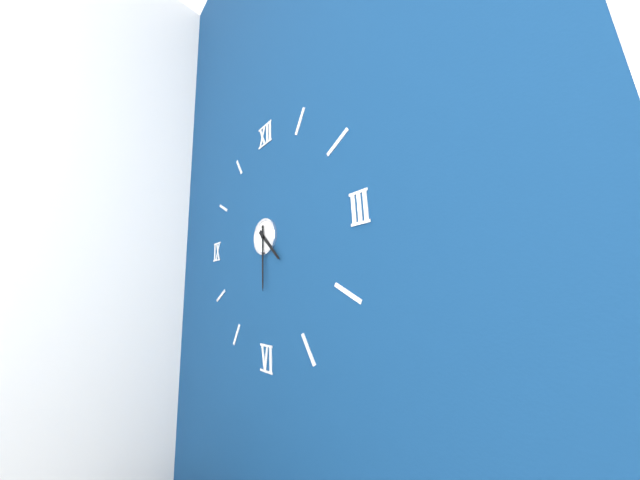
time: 4:30
